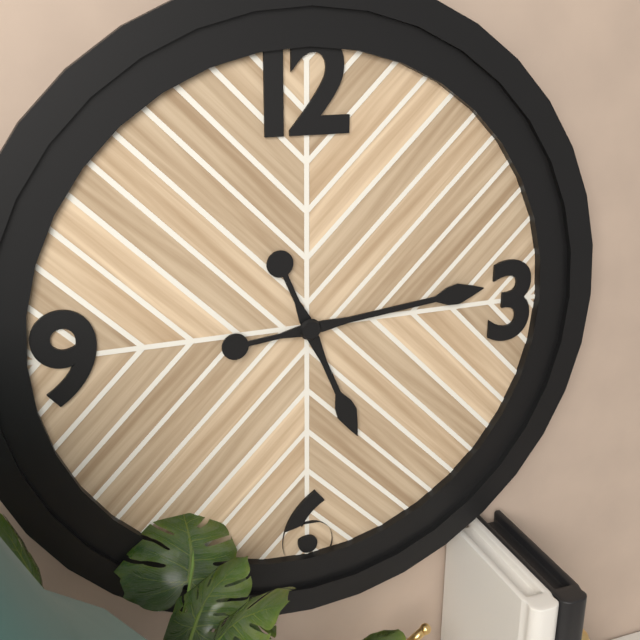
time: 5:14
